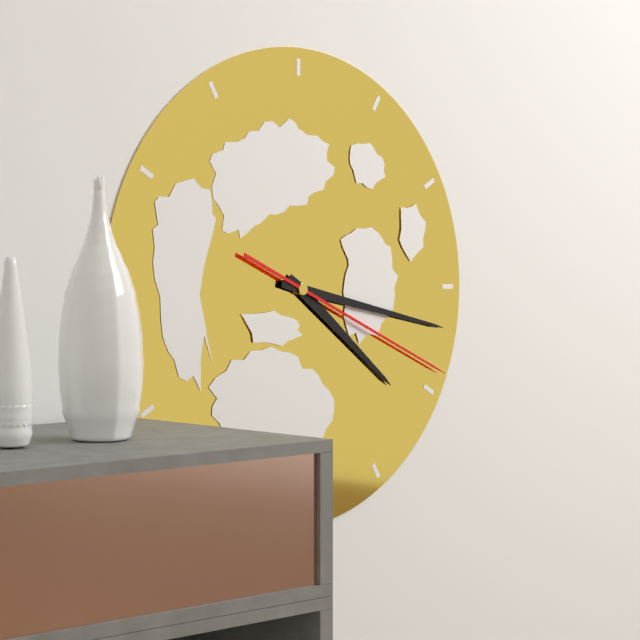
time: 4:17:19
